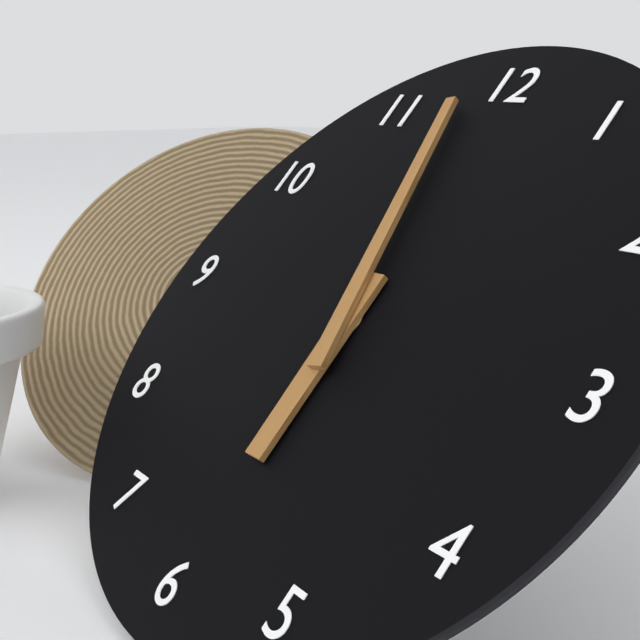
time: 5:58
